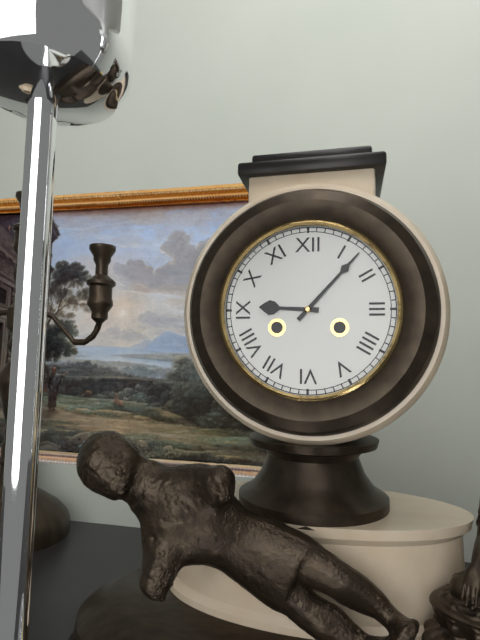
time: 9:07
